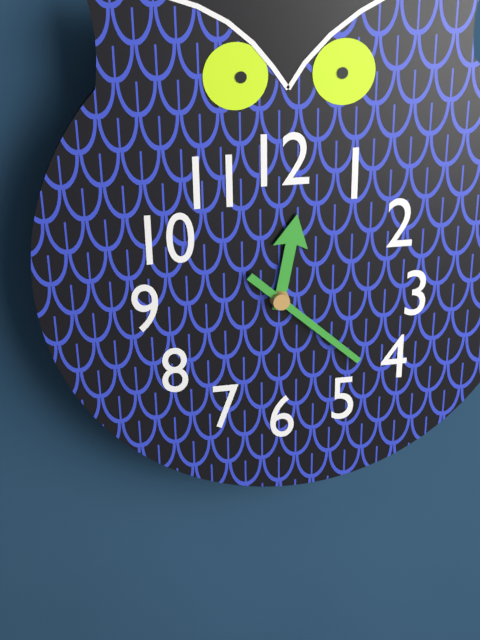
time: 12:22
